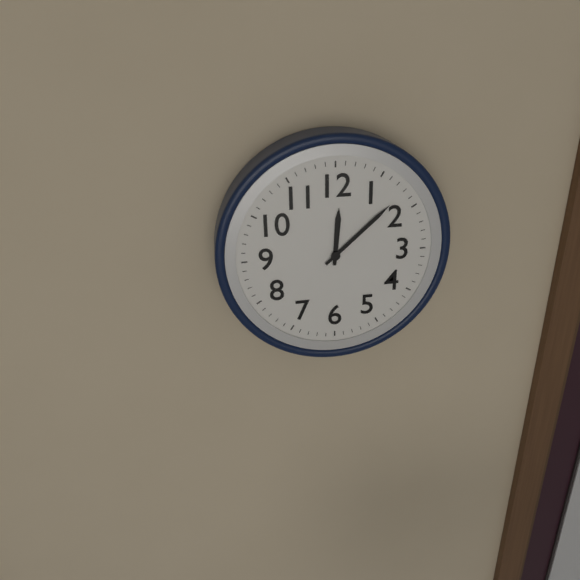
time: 12:08
